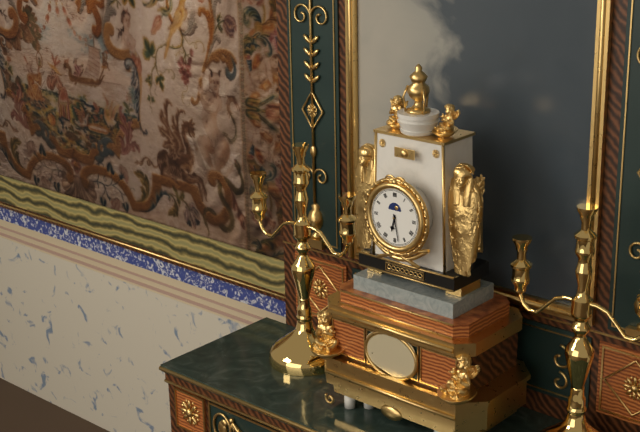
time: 6:28
